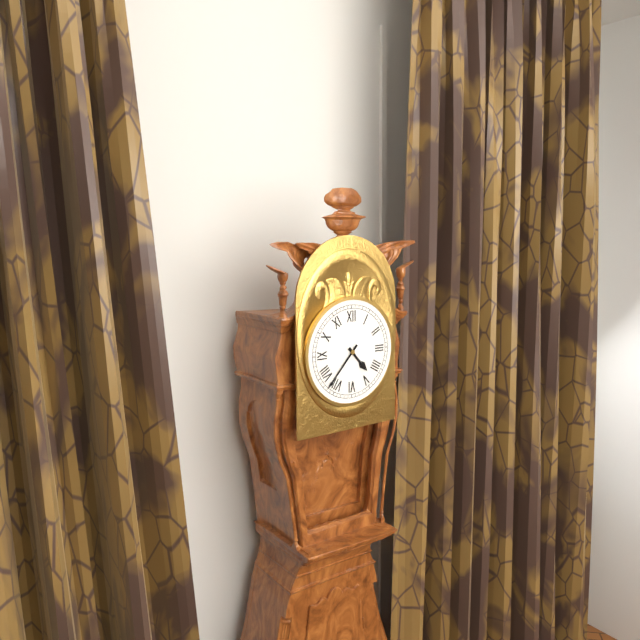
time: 4:37
